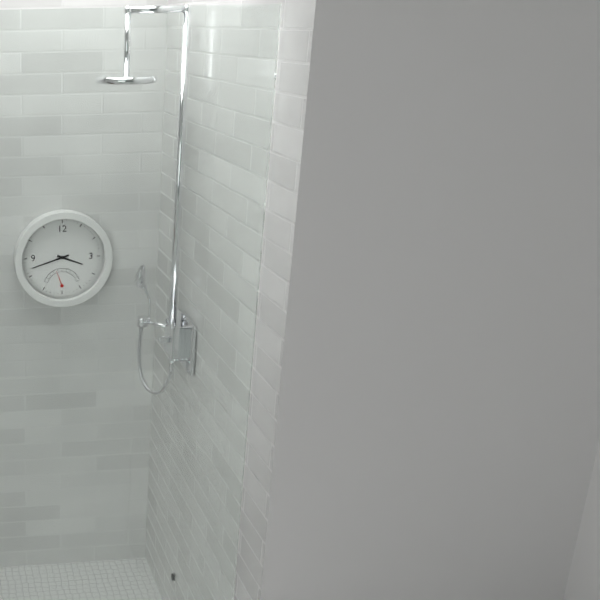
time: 3:42
